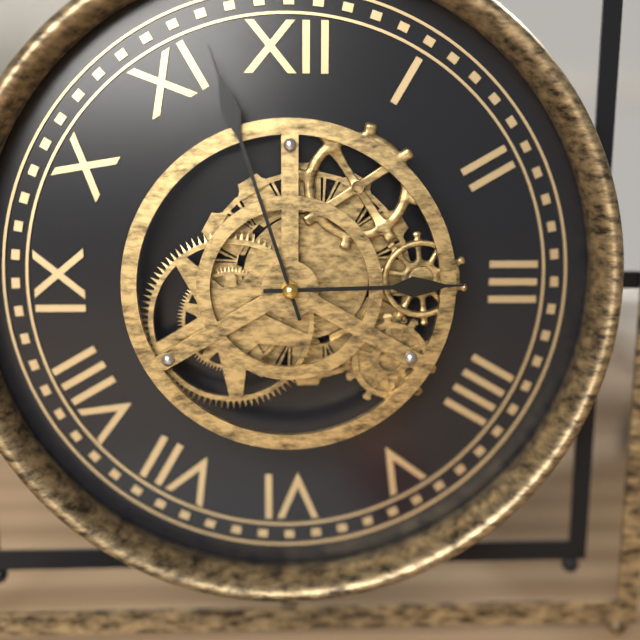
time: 2:57
